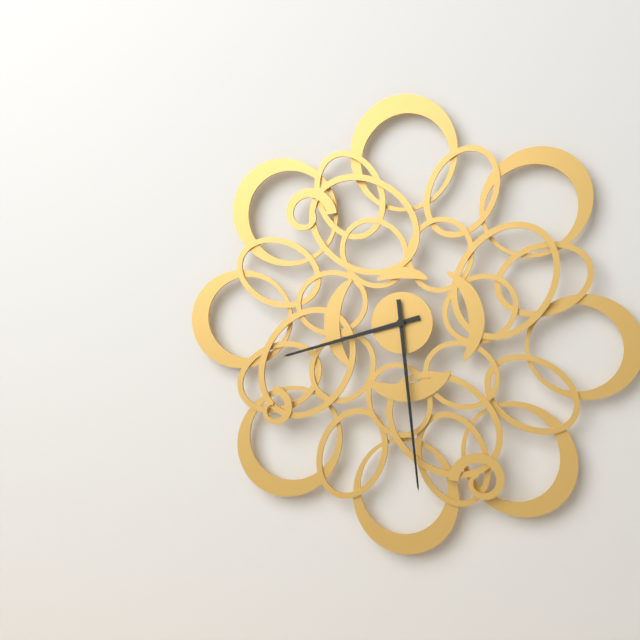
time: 8:29
